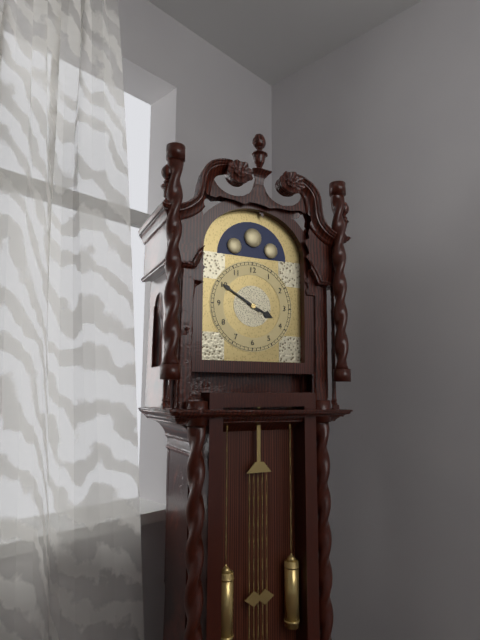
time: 3:50
